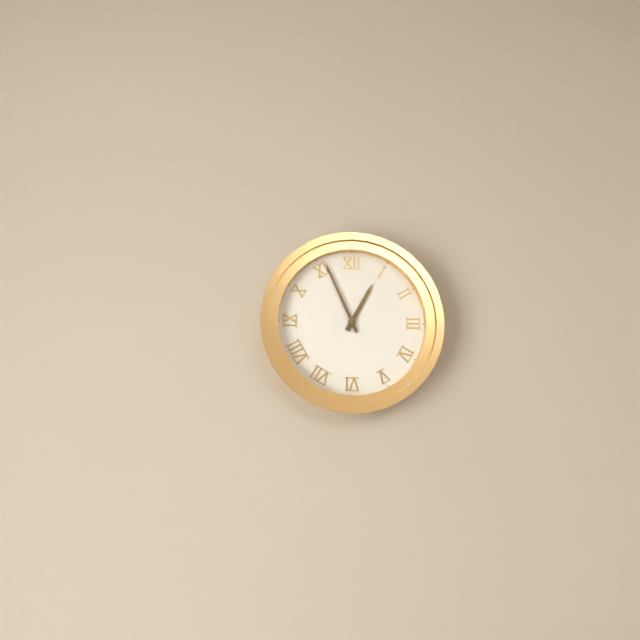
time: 12:56
